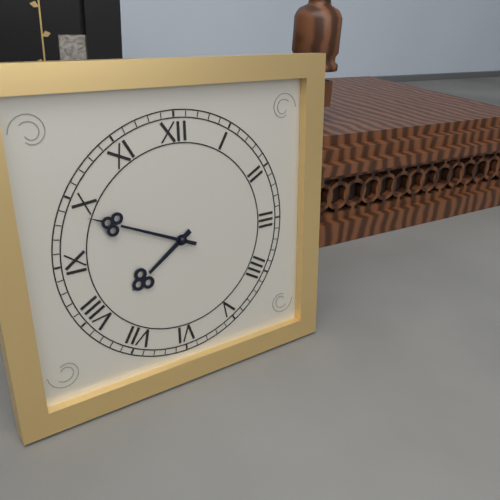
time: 7:49
